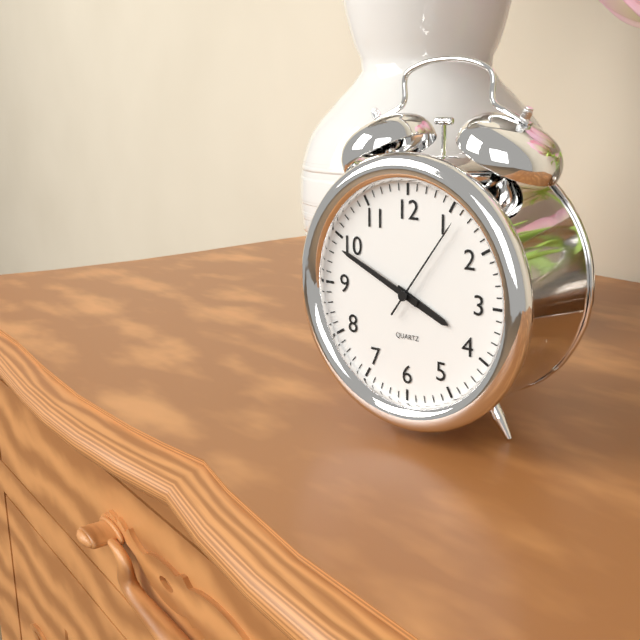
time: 3:49:06
